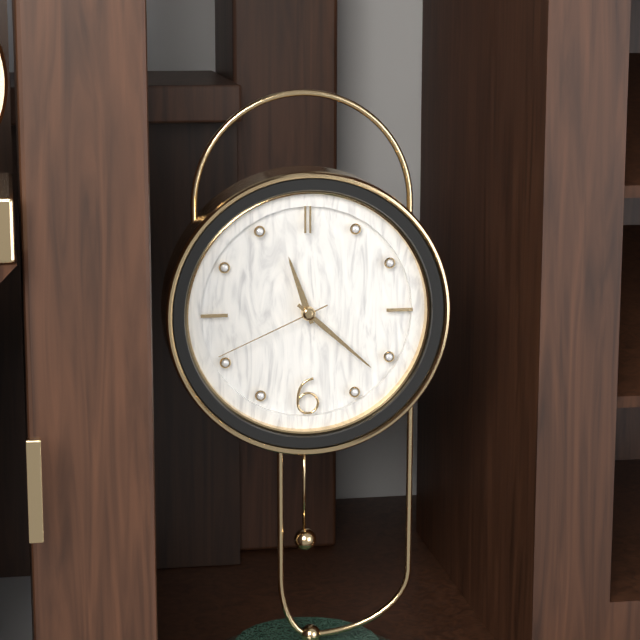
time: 11:22:41
